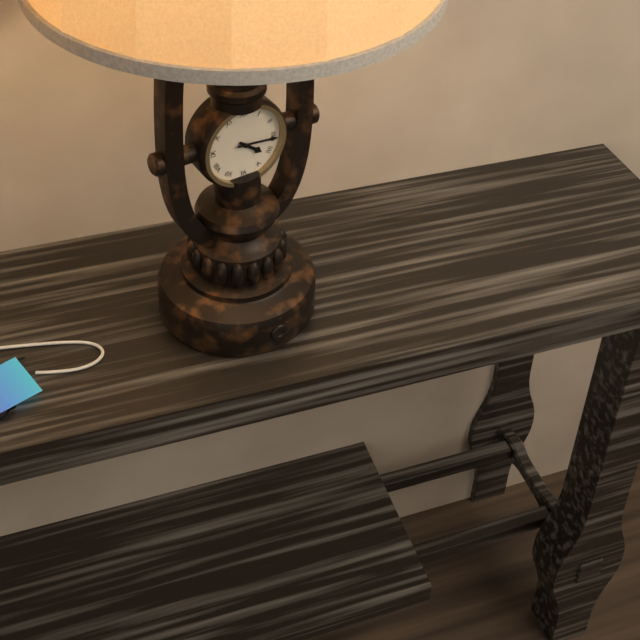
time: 4:16
